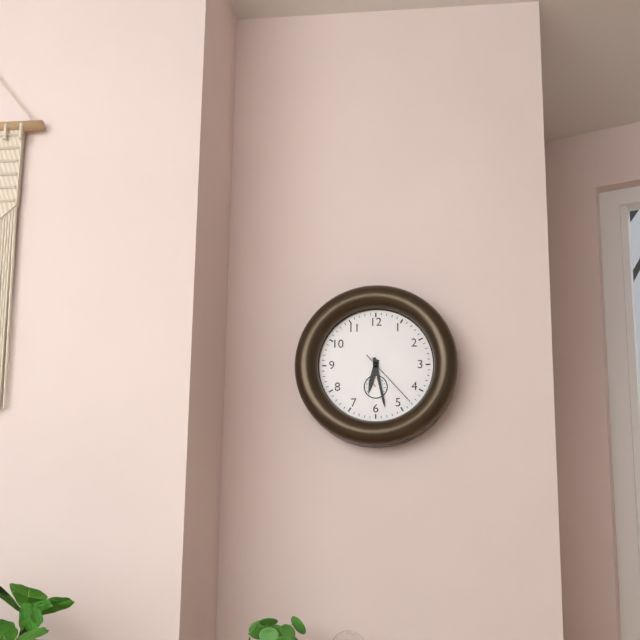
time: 6:28:23
